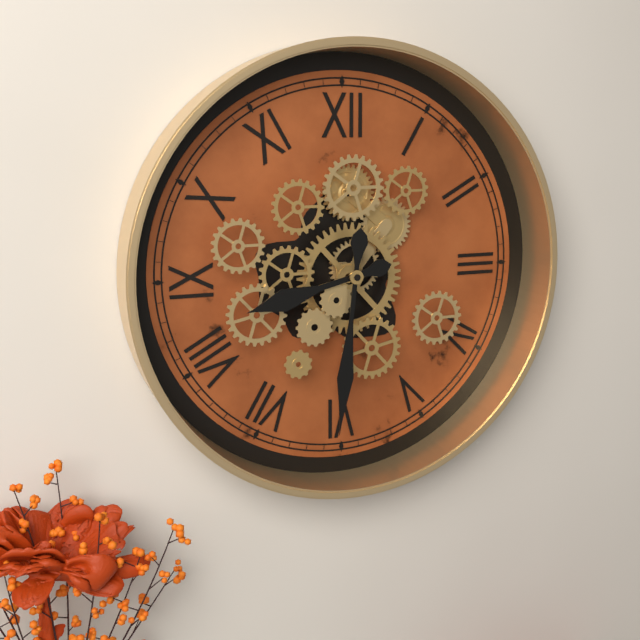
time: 8:31
